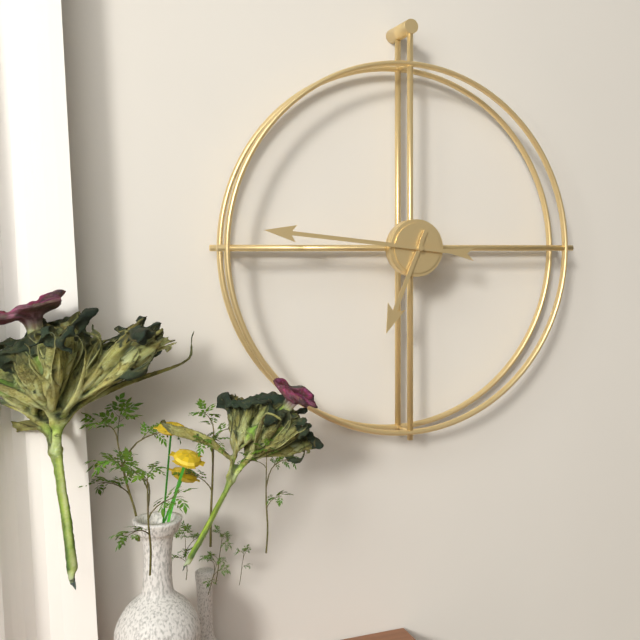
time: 6:46
